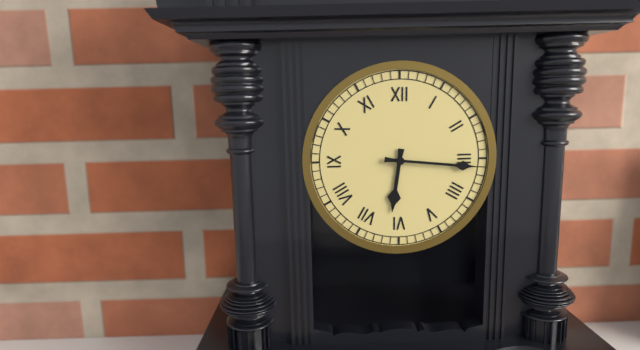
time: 6:16
